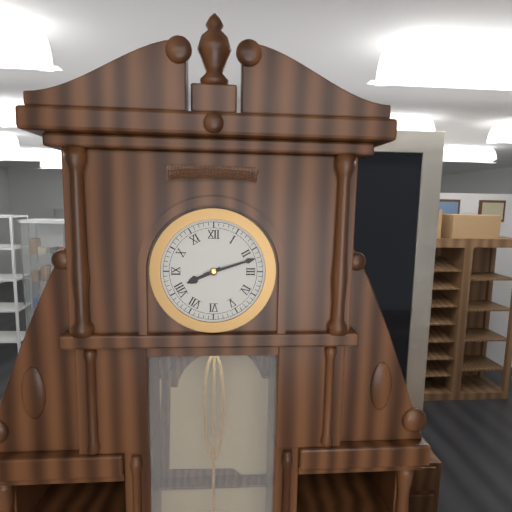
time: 8:12
